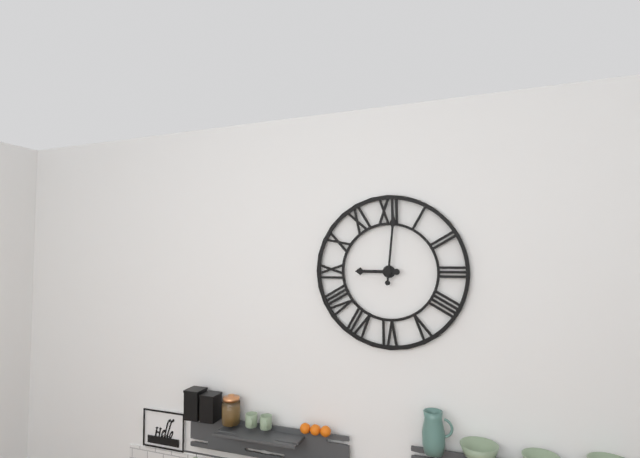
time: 9:01
